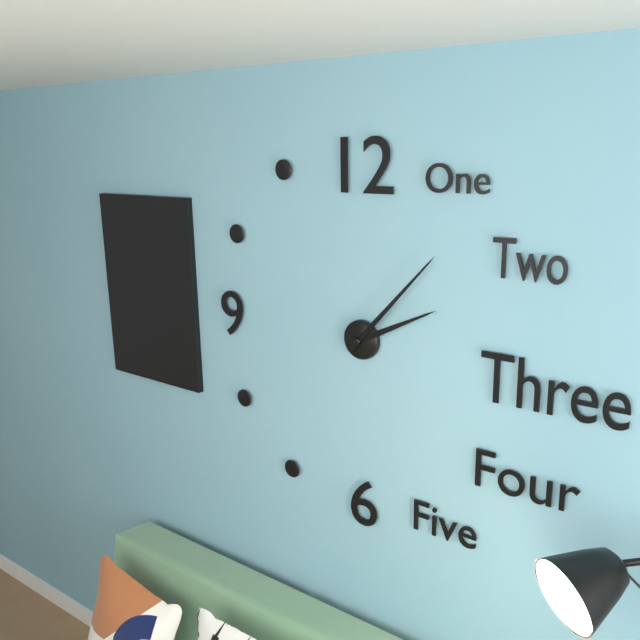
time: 2:07
